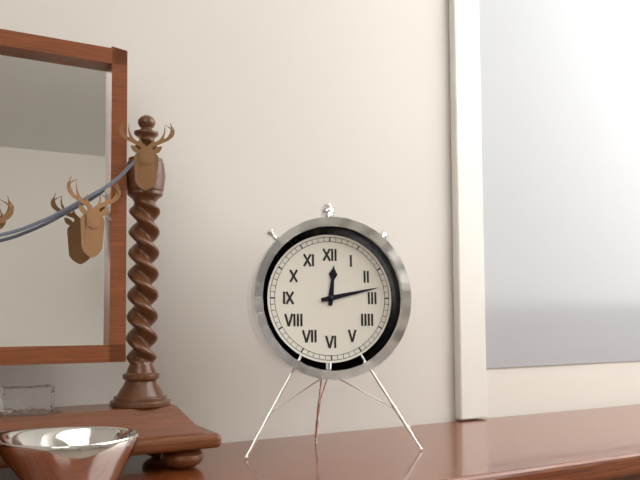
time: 12:13
